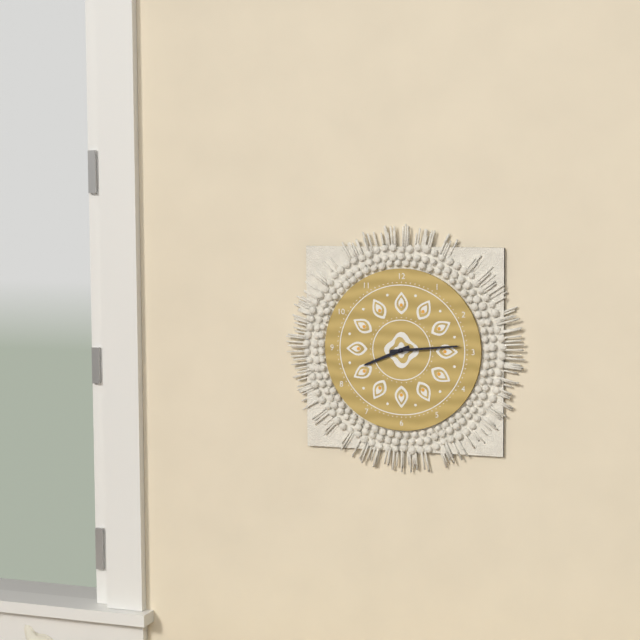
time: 8:14
